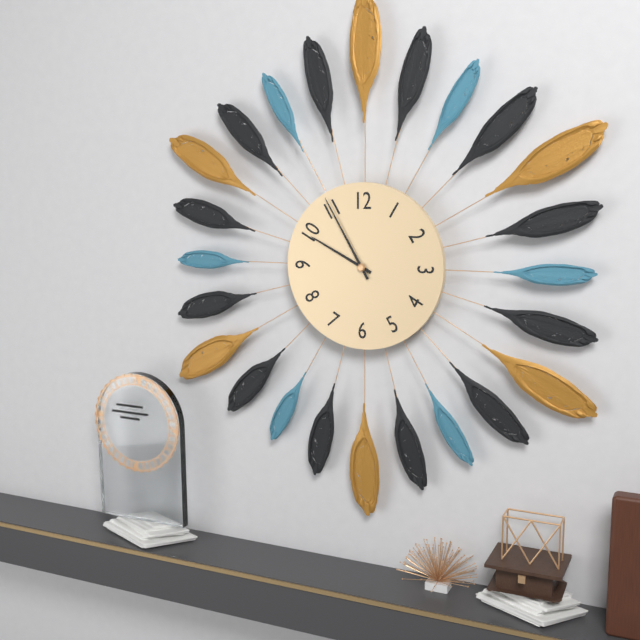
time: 9:55
